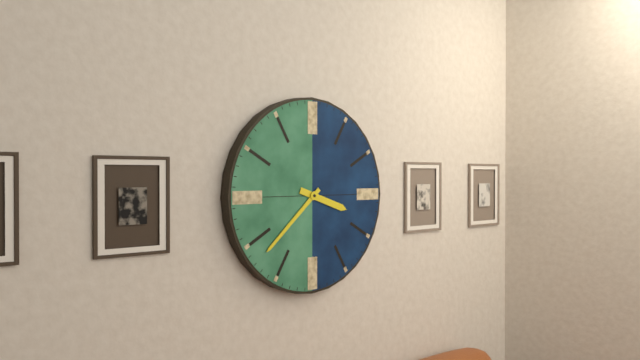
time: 3:38
